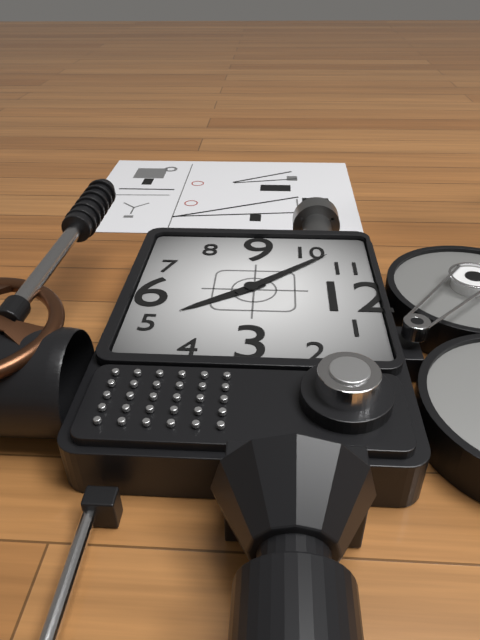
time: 4:53
